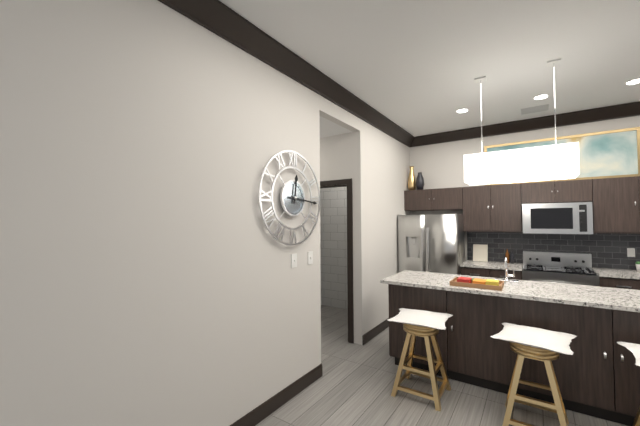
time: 12:16
